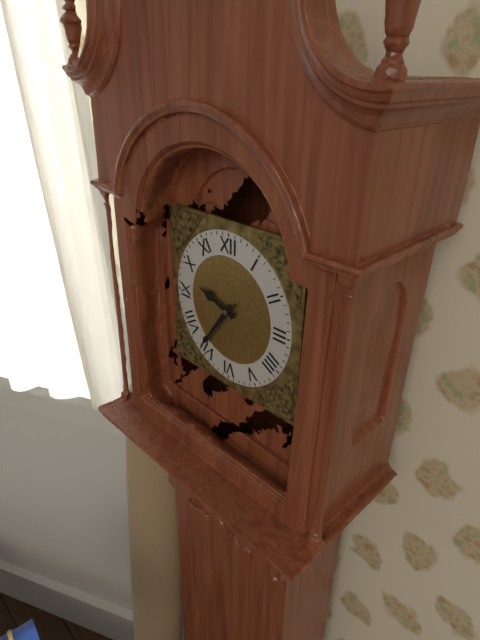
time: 9:36
